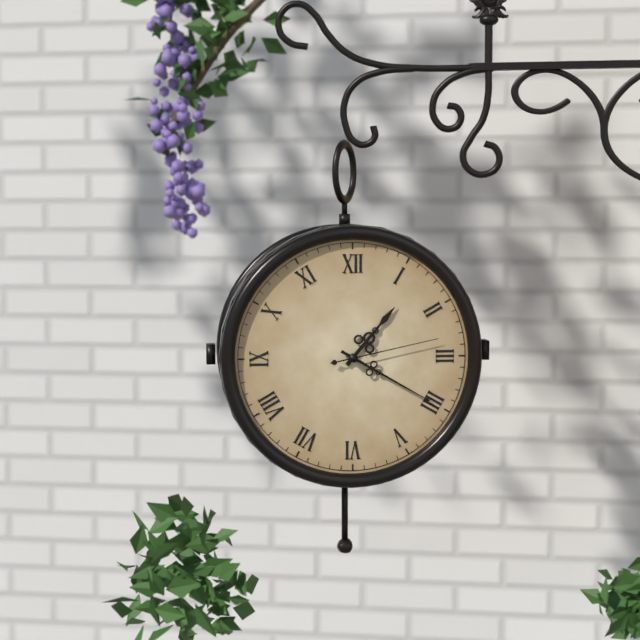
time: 1:20:13
